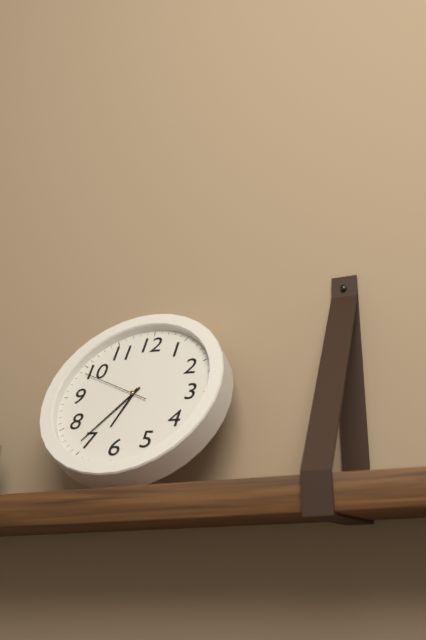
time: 6:36:49
